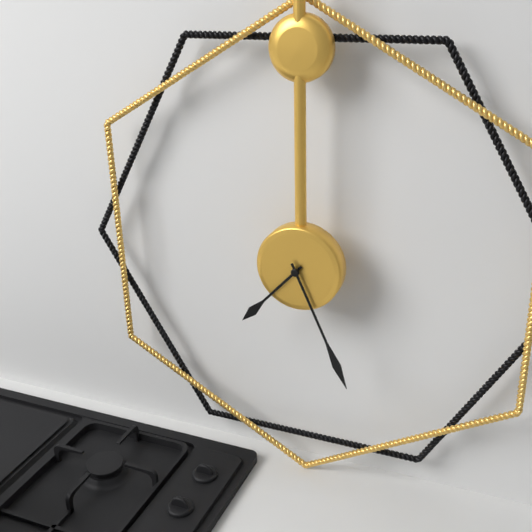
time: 7:26
